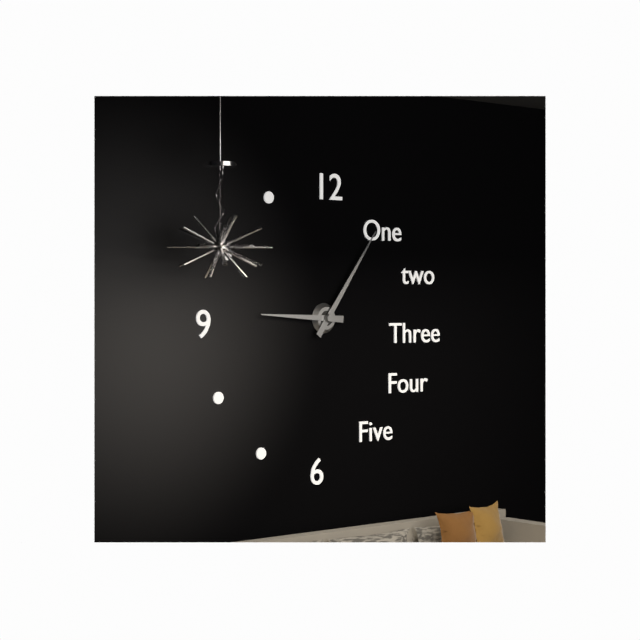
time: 9:06
